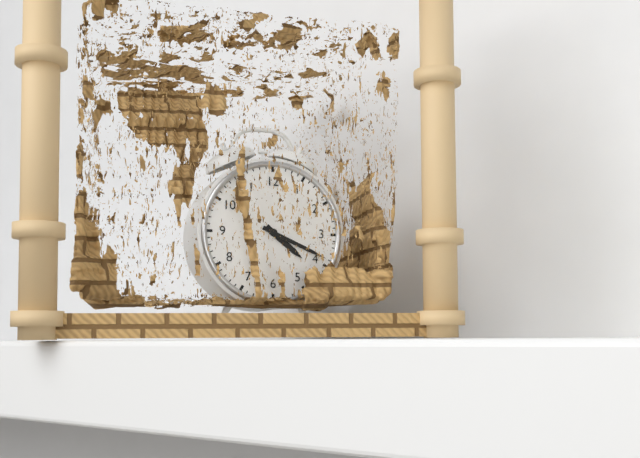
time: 4:19
